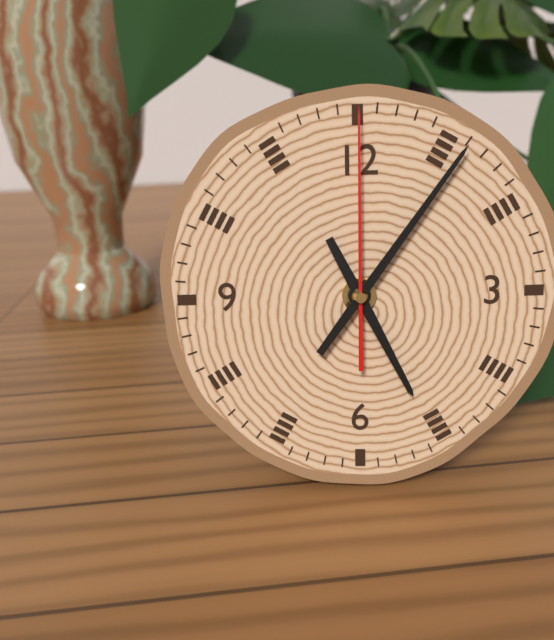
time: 5:06:00
